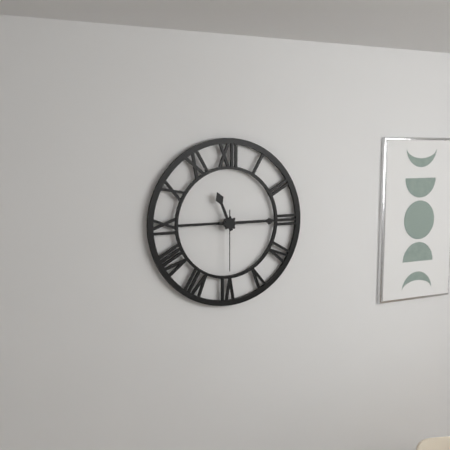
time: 11:15:30
